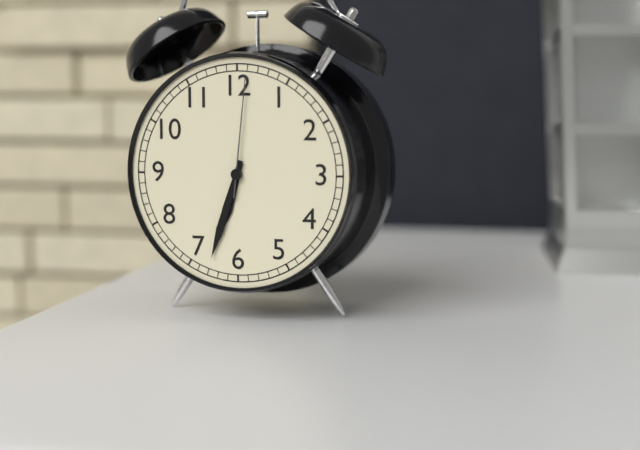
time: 6:33:01
